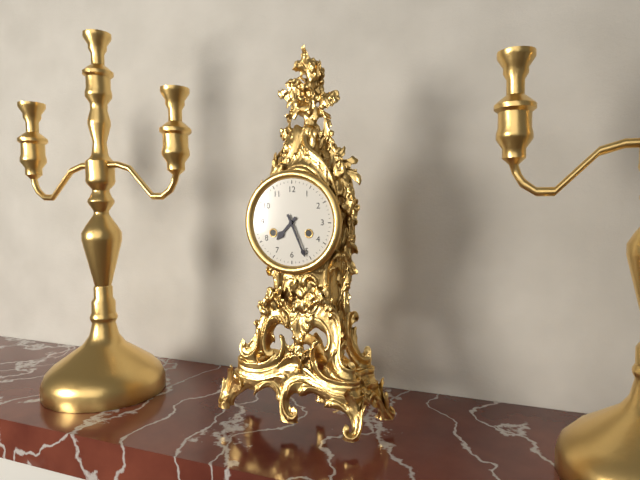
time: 7:26
